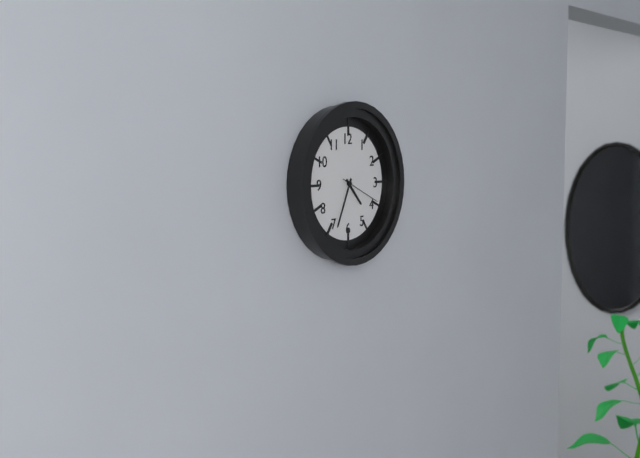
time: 4:34
